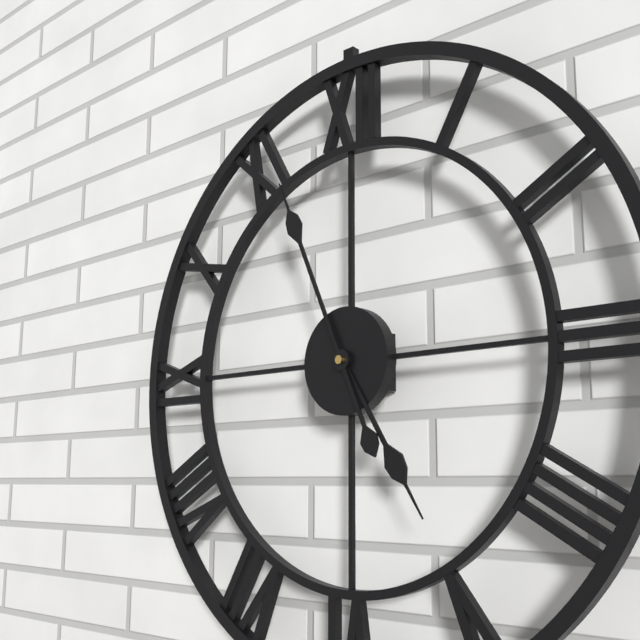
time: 4:56
